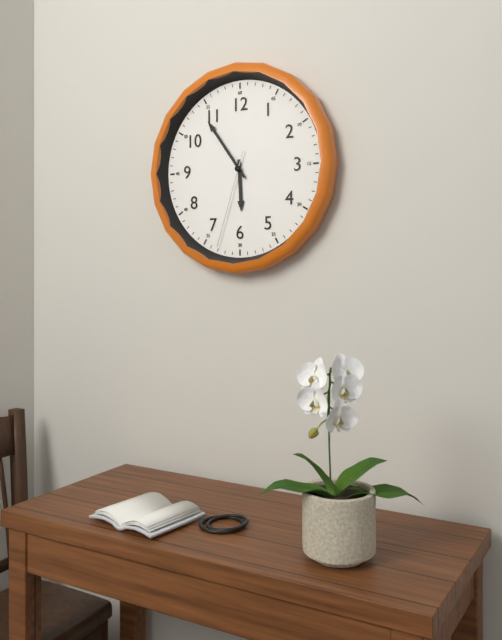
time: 5:54:33
